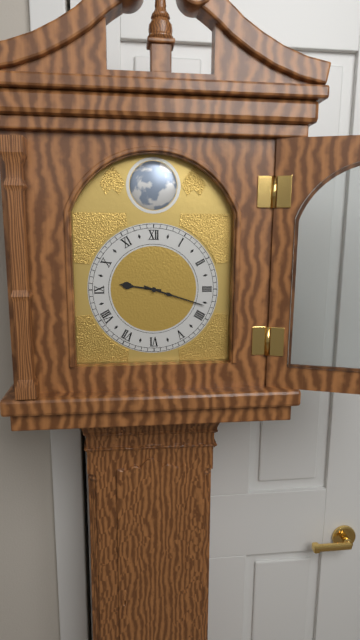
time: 9:18
